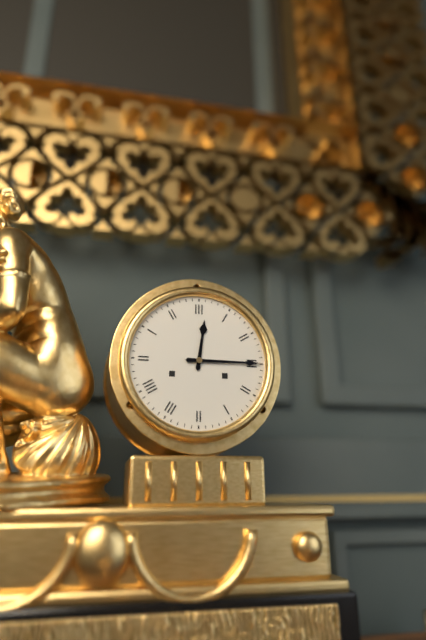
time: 12:15
